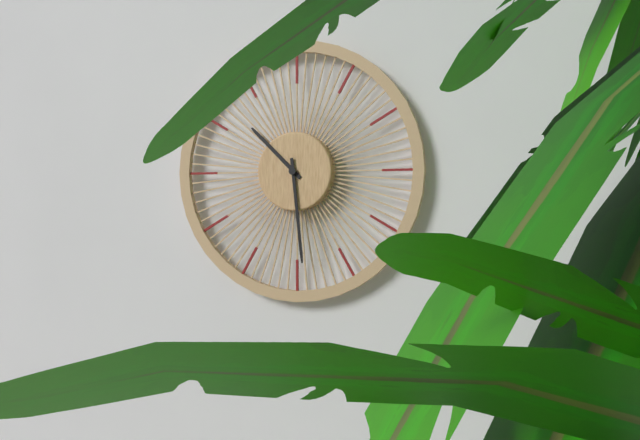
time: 10:29
